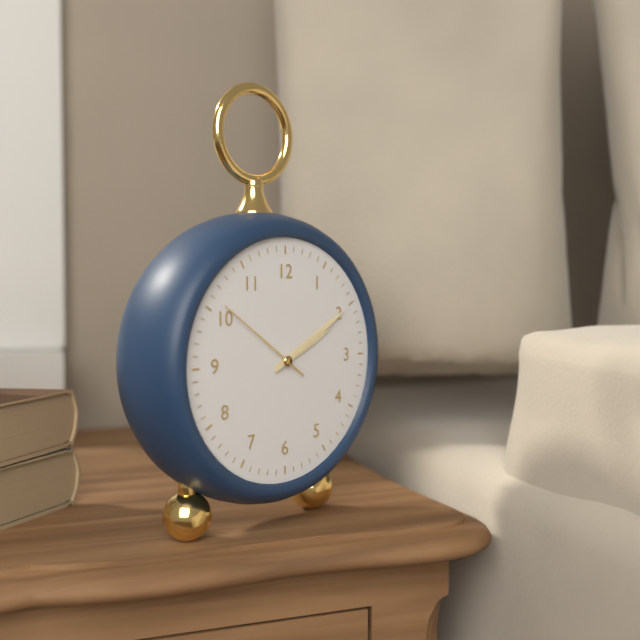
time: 2:10:51
